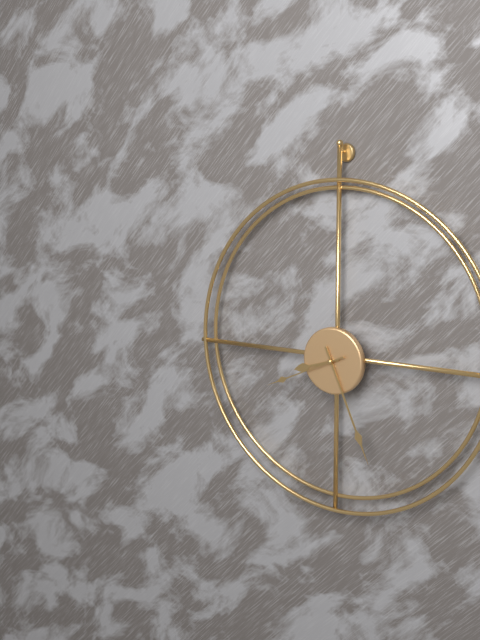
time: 8:26:41
